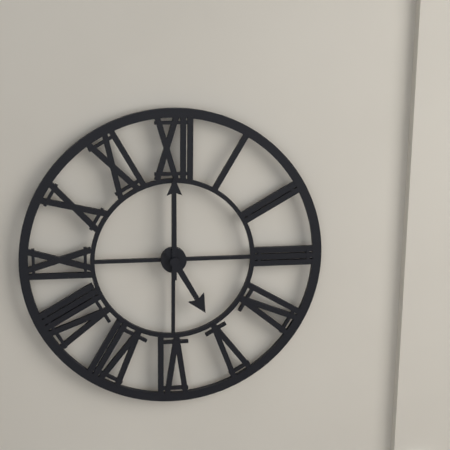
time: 5:00
